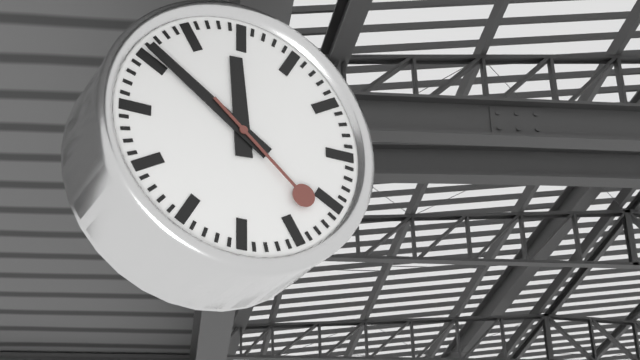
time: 11:51:22
